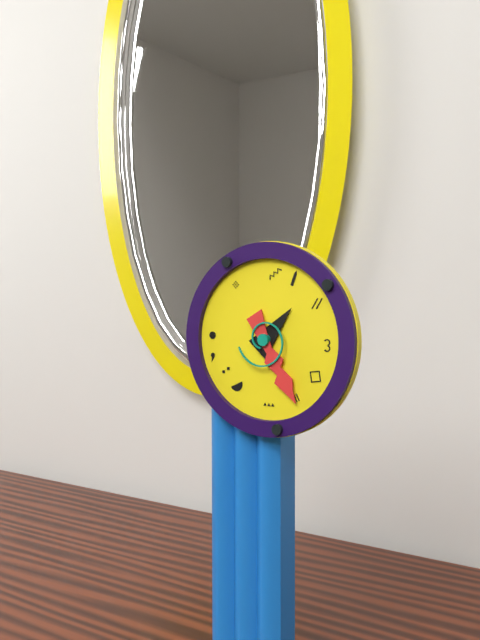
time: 1:25
